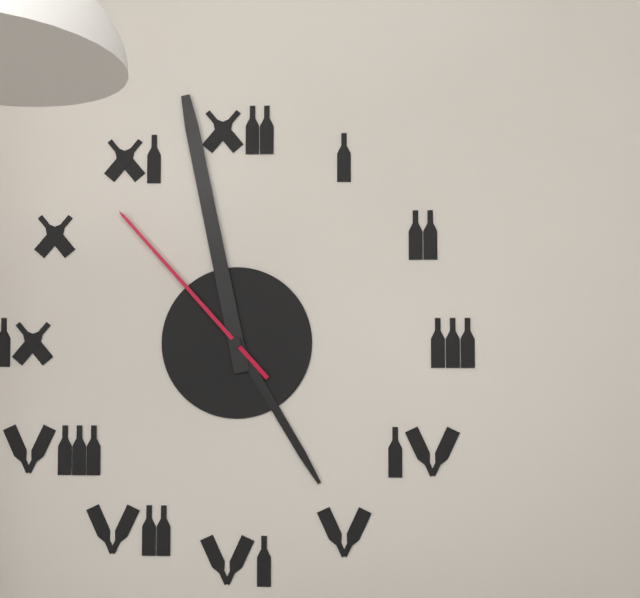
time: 4:58:53
